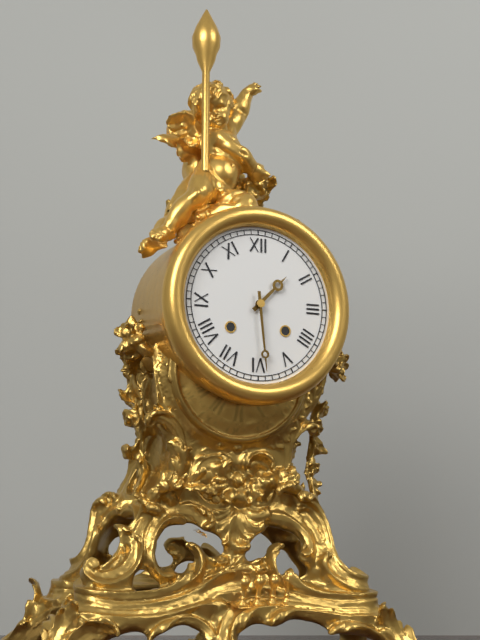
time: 1:29
